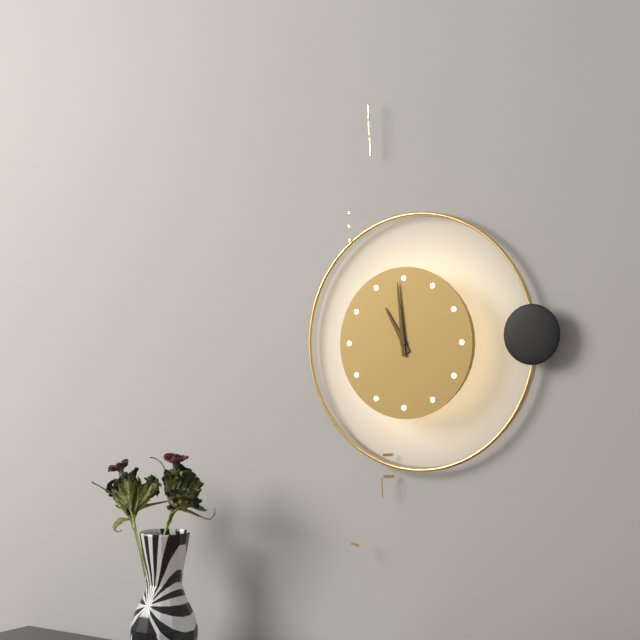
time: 10:59
